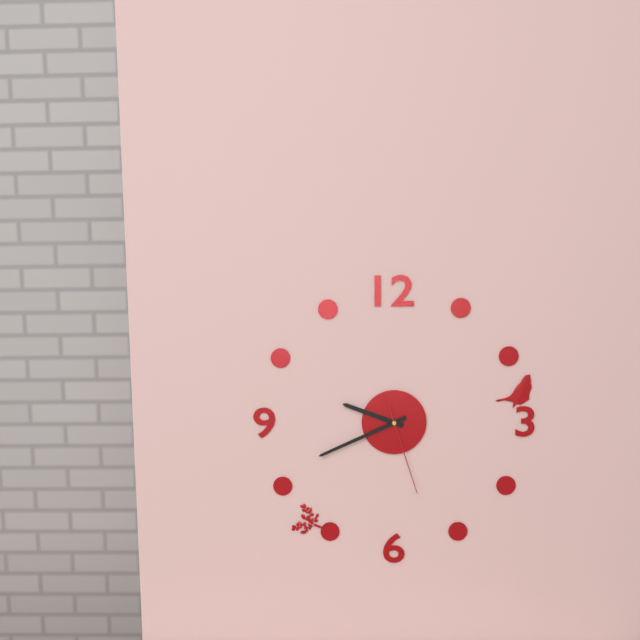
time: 9:41:27
